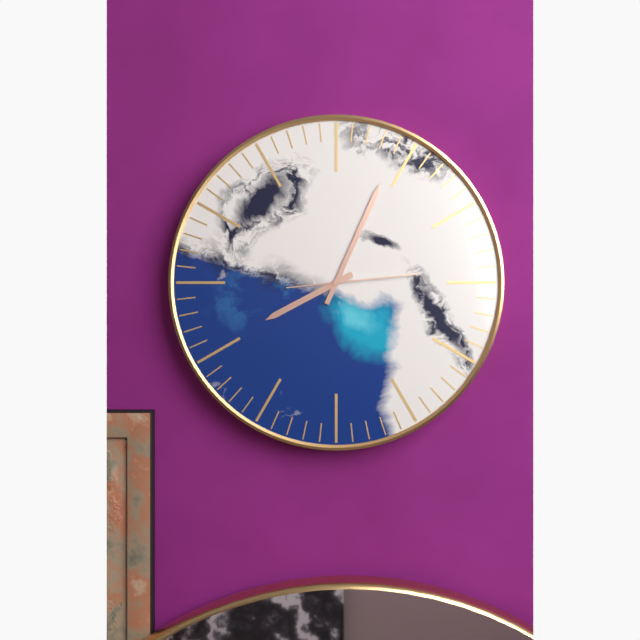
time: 8:04:14
